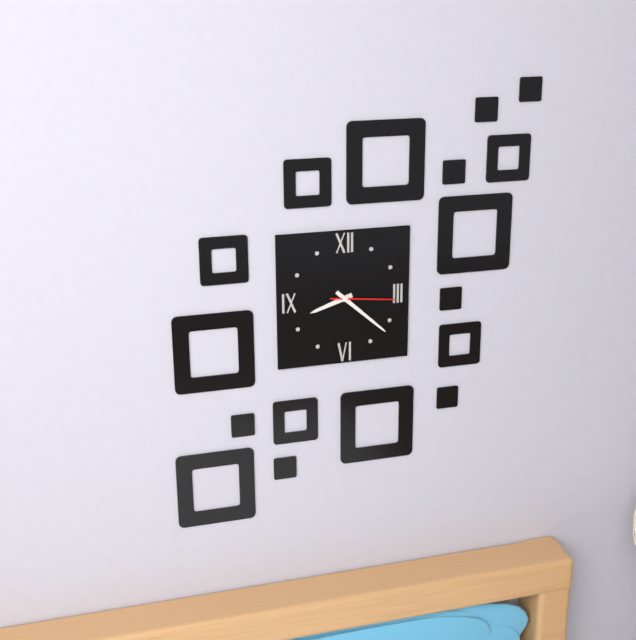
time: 8:22:16
